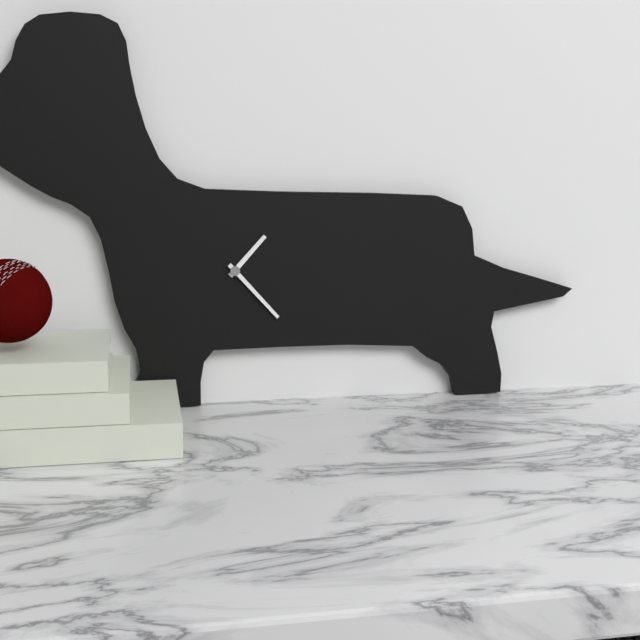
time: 1:23
